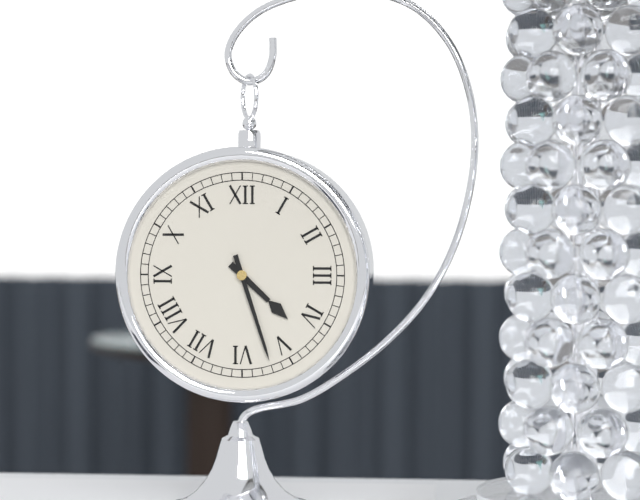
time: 4:27
